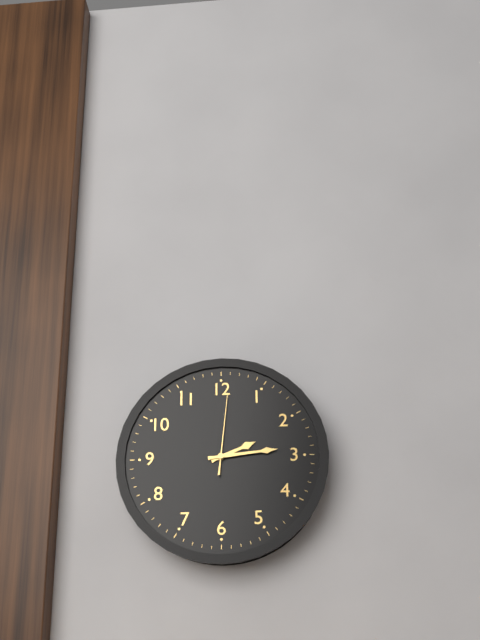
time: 2:14:01
